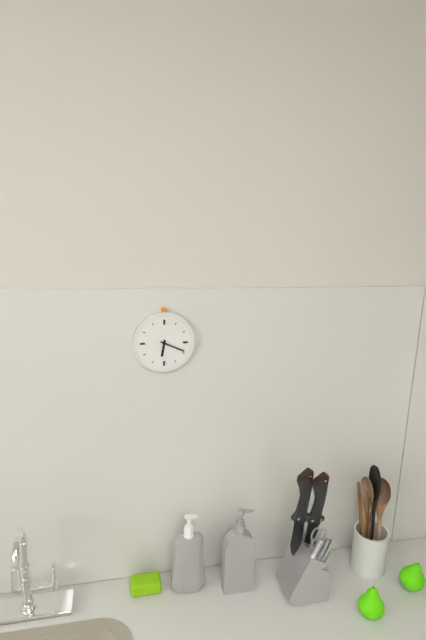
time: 6:19
